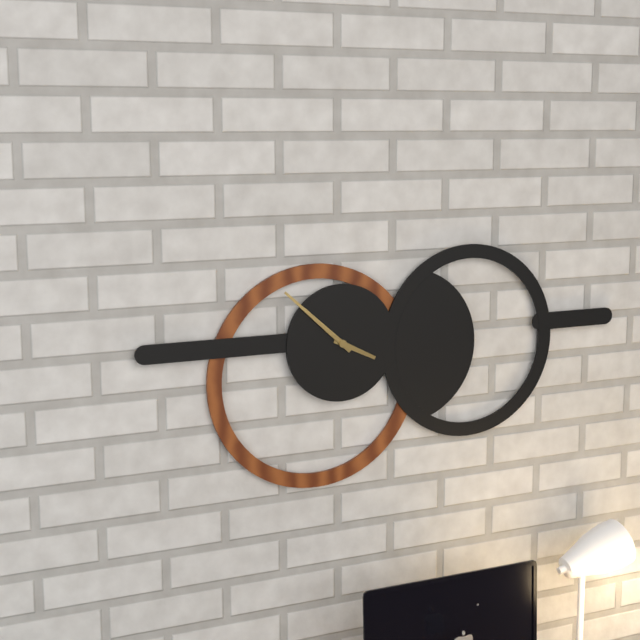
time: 3:52
